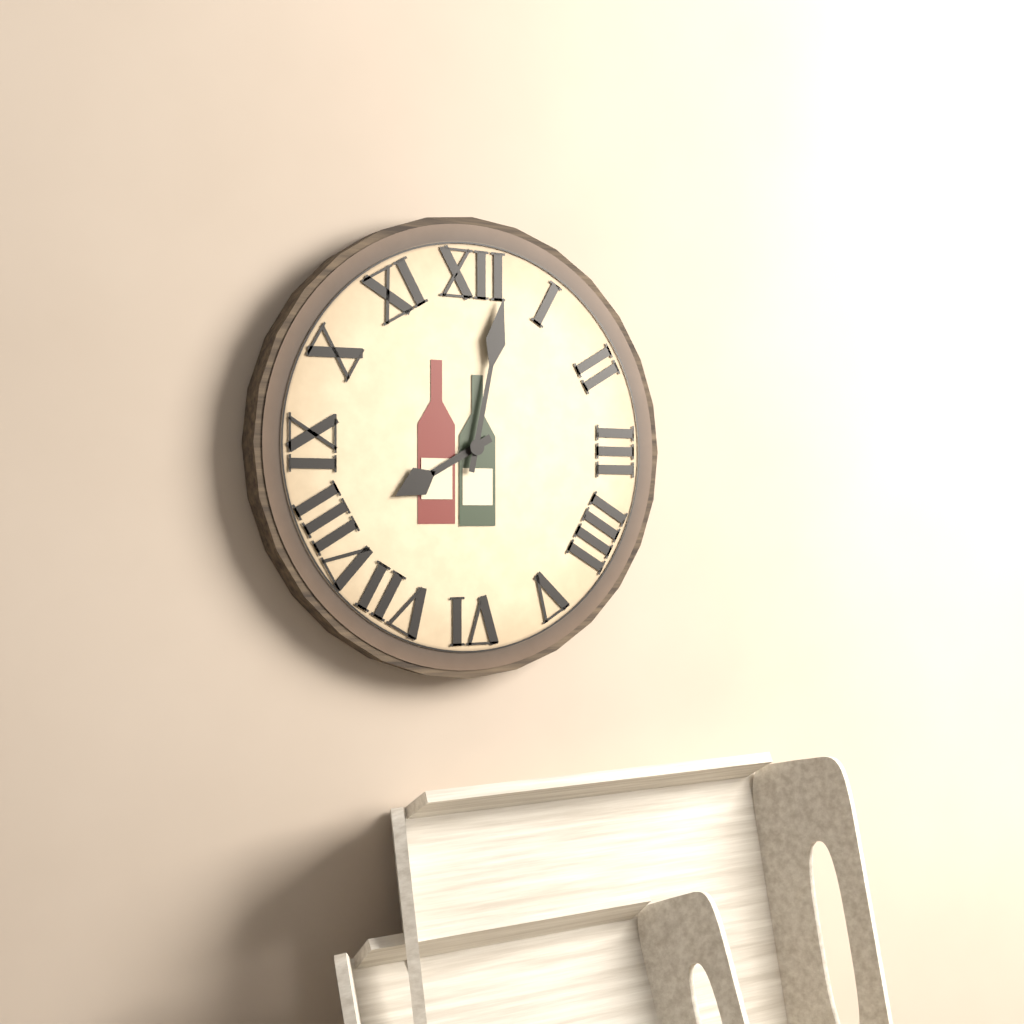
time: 8:02
